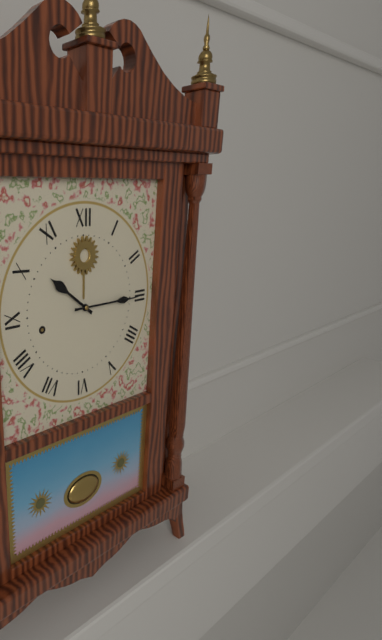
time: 10:15
